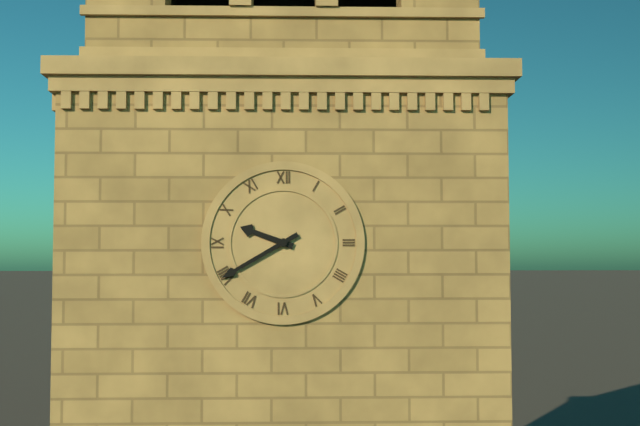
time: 9:40
